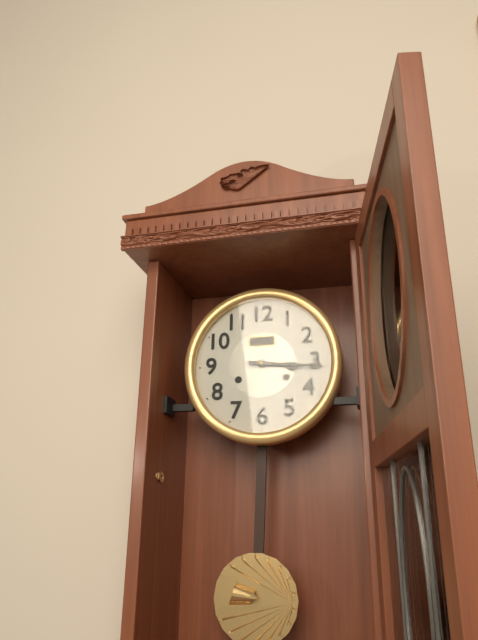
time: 3:16
